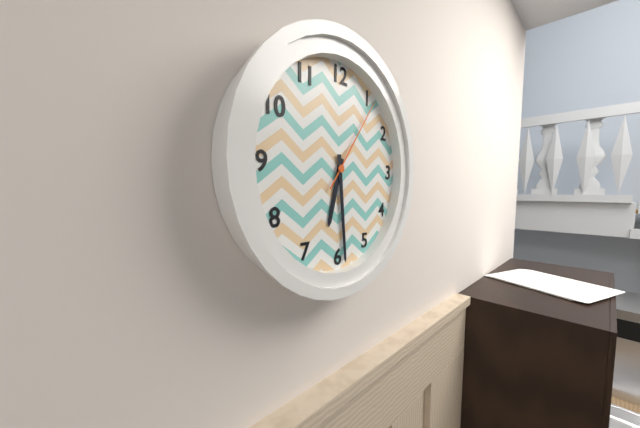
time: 6:29:06
